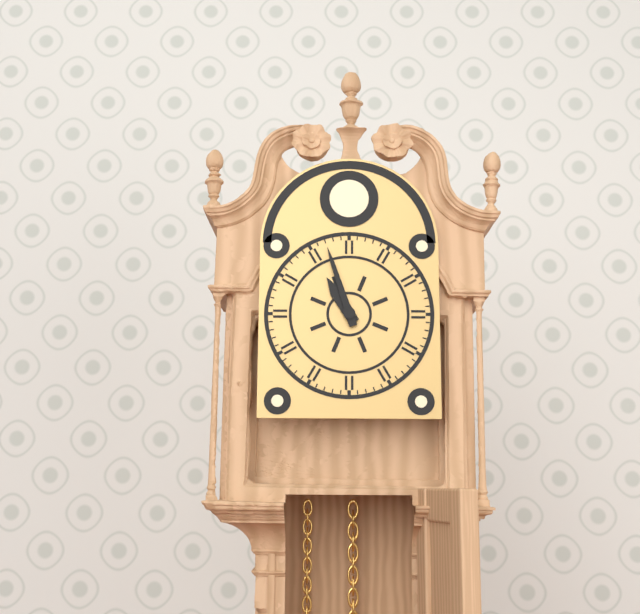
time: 10:57
